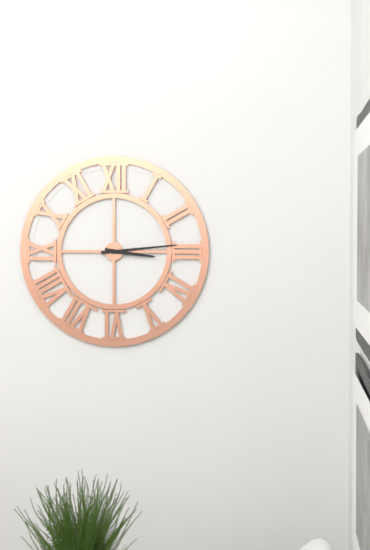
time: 3:14
